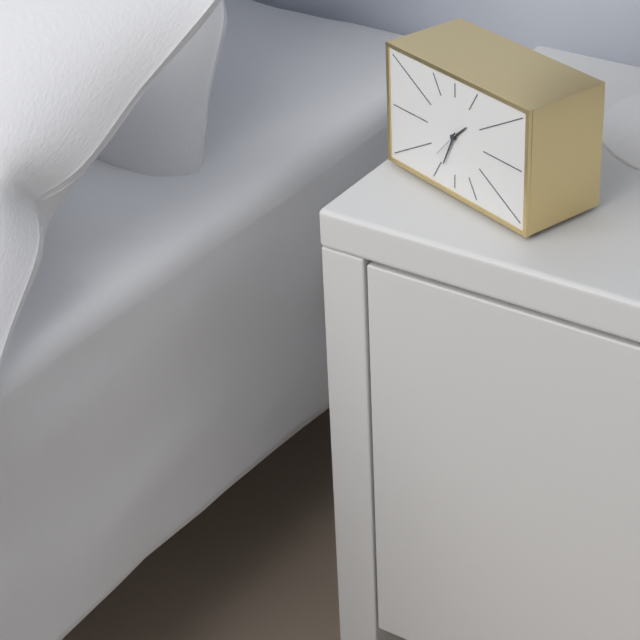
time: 1:34
